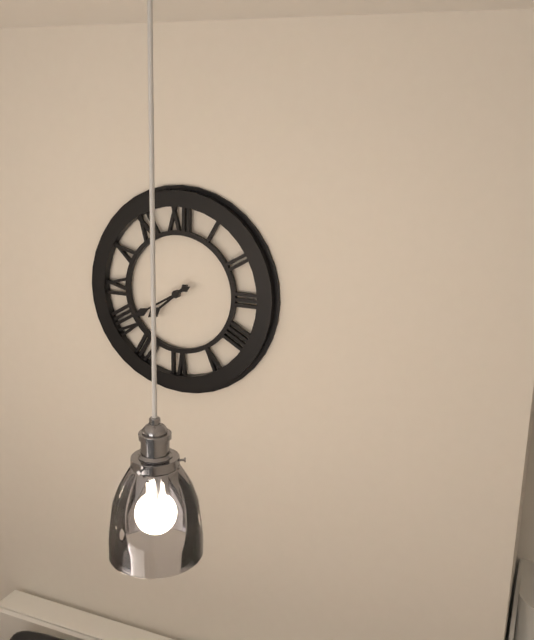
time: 7:40
